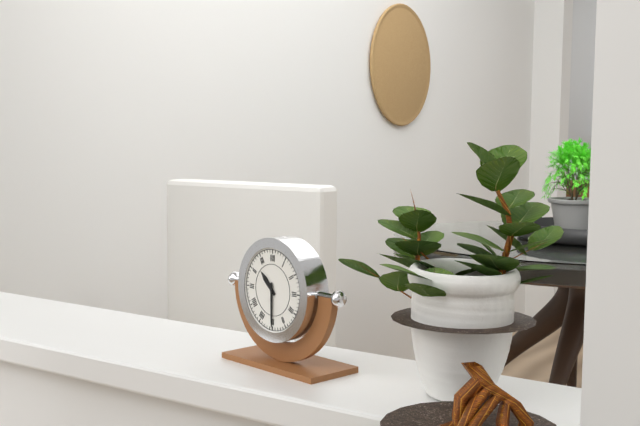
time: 10:30
